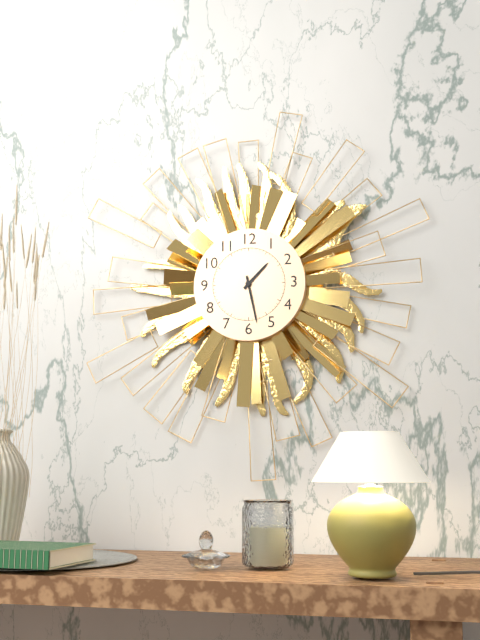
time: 1:28
